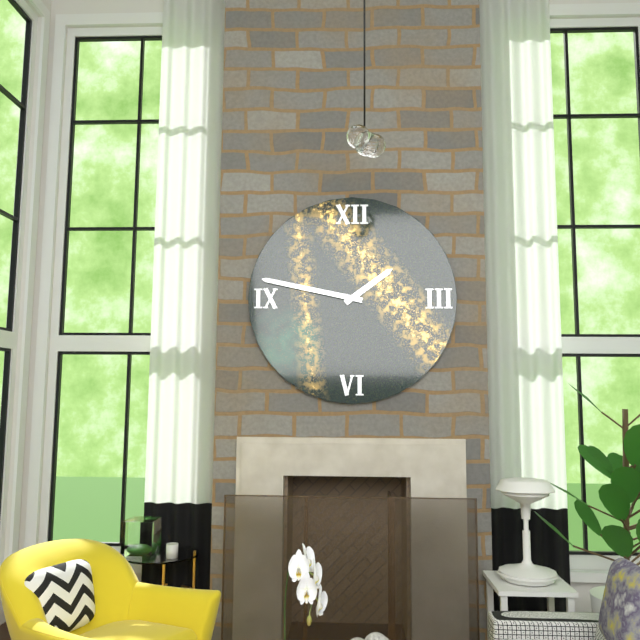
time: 1:47
